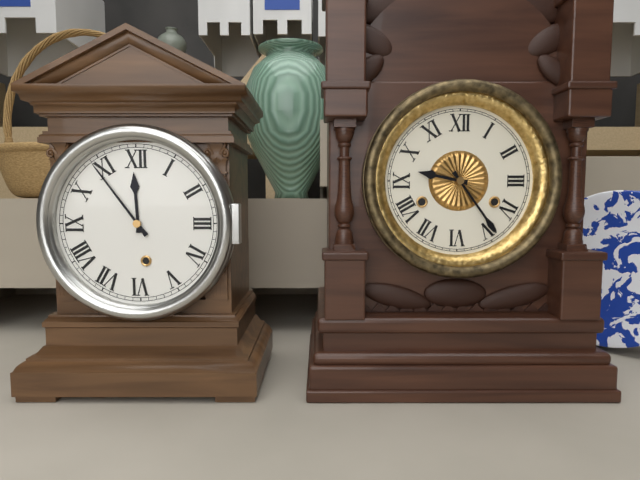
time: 11:54
